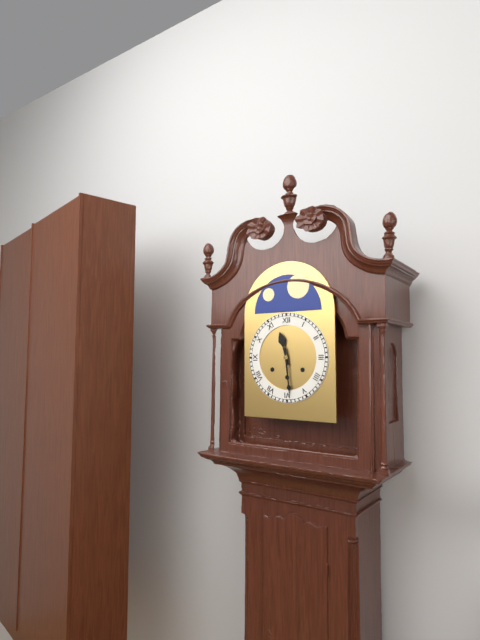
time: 11:29
